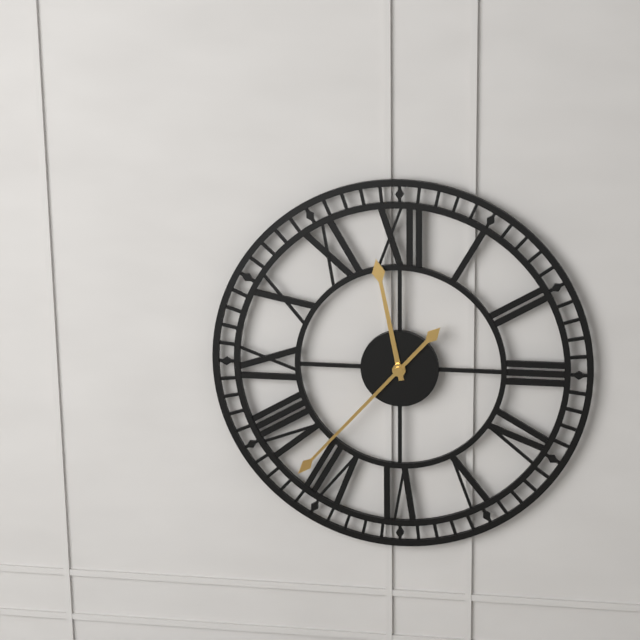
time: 11:37
